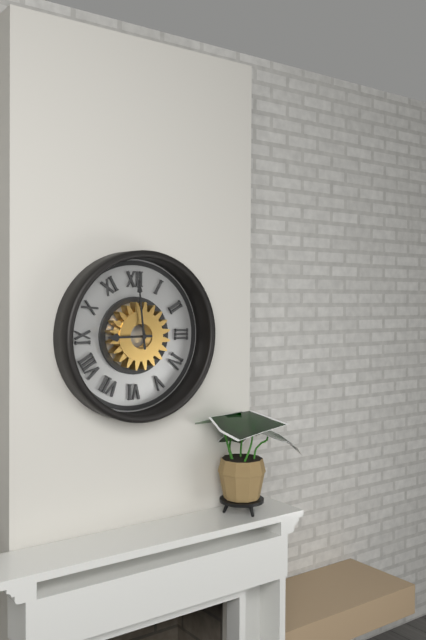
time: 8:59
